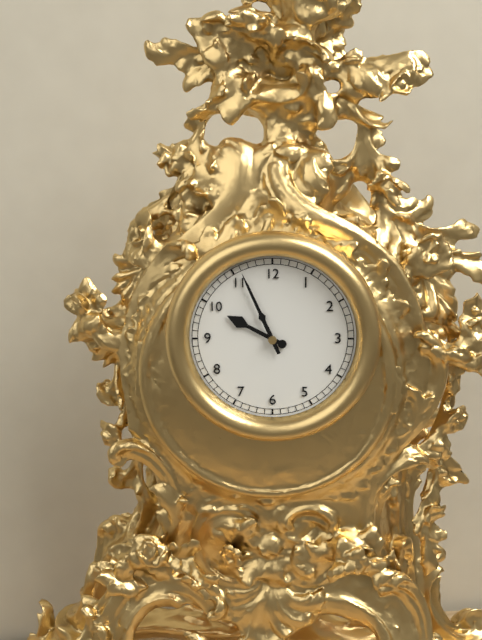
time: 9:56
